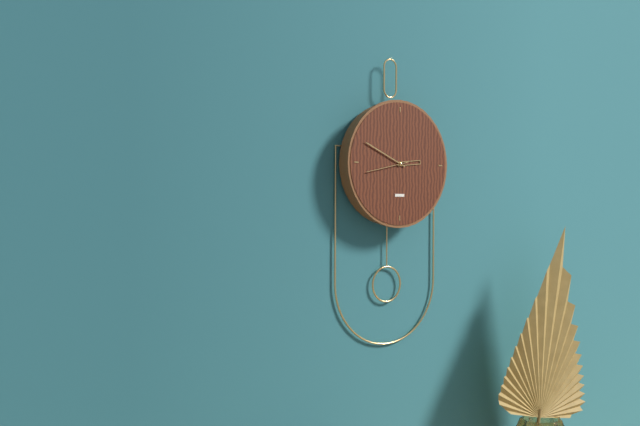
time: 2:49
